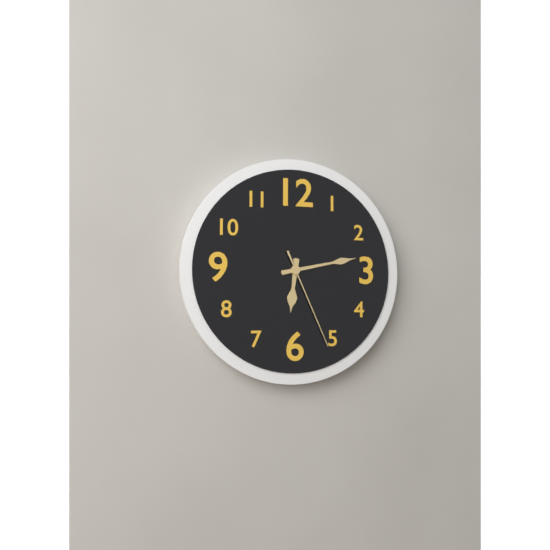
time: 6:13:26
